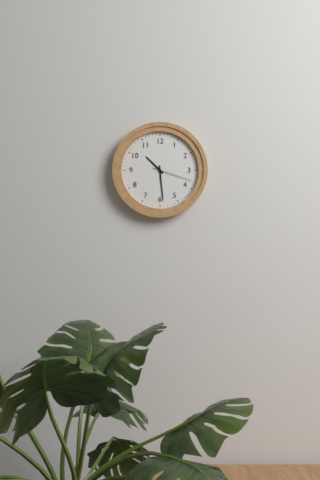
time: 10:29
